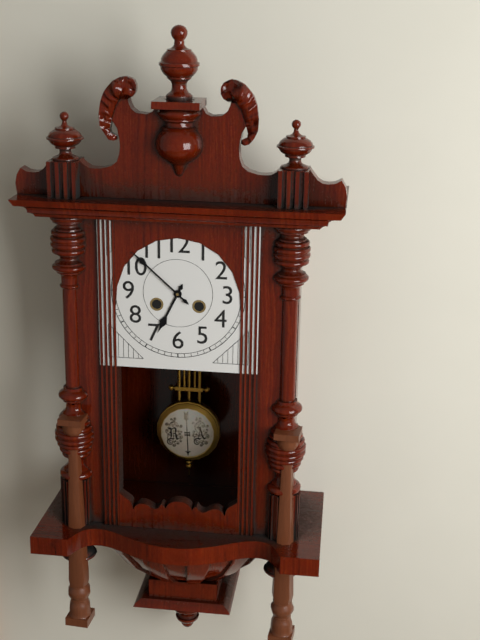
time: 6:52
